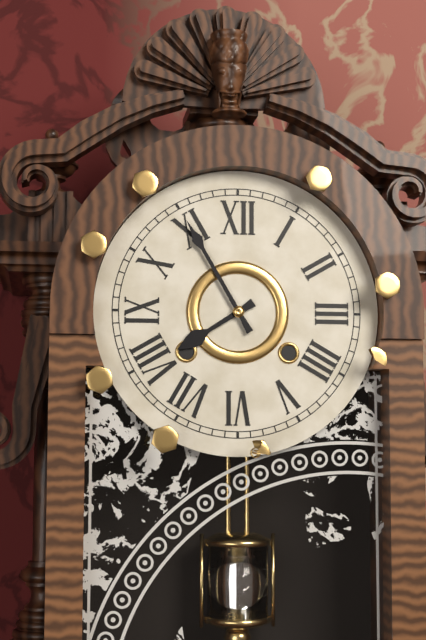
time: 7:55
